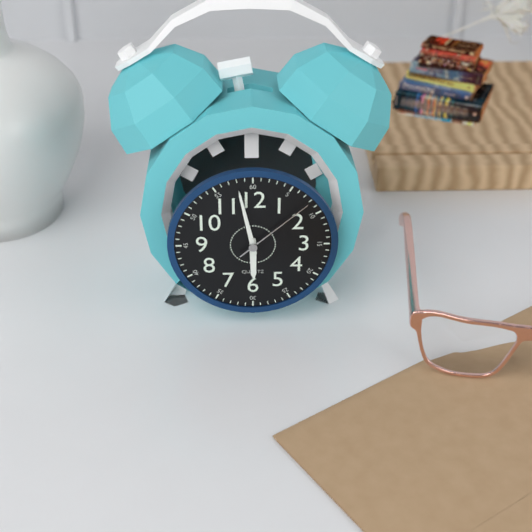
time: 5:58:08
